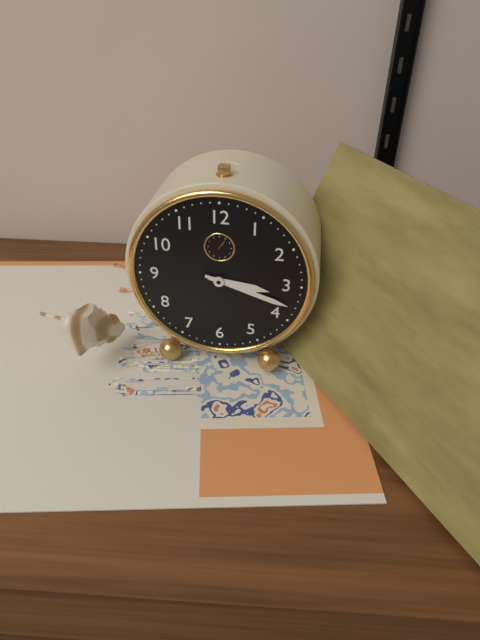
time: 3:18
